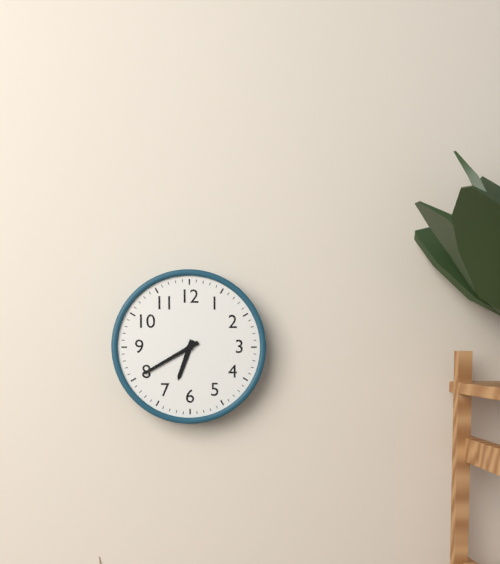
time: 6:40
